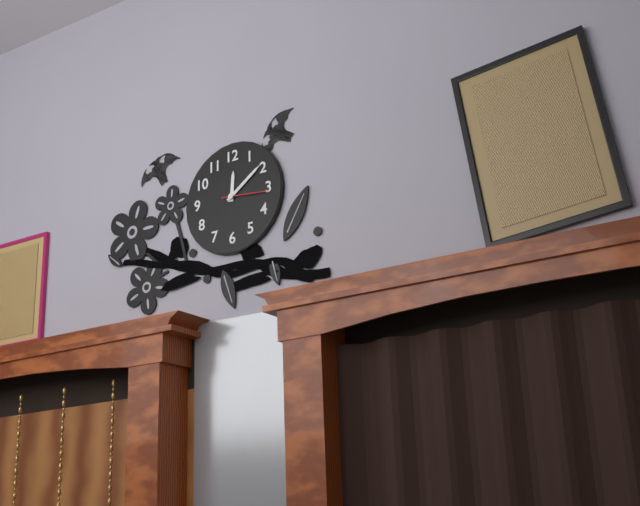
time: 12:09
